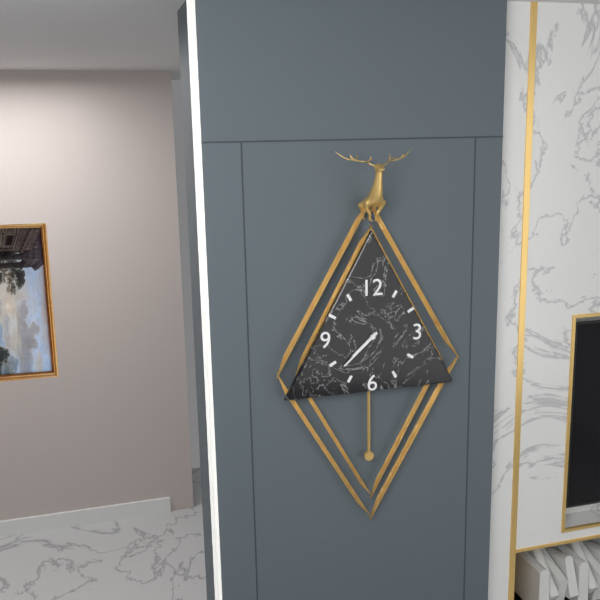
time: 7:38
